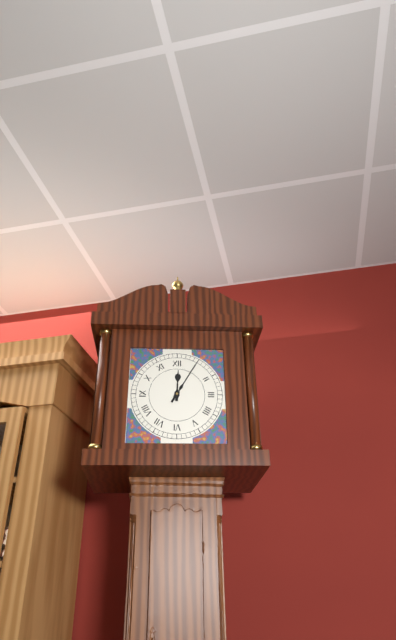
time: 12:05
